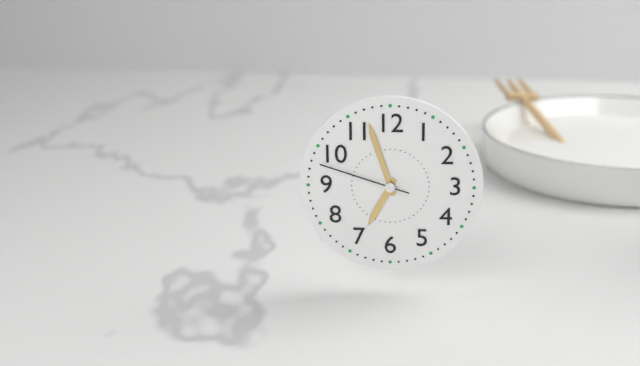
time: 6:57:48
